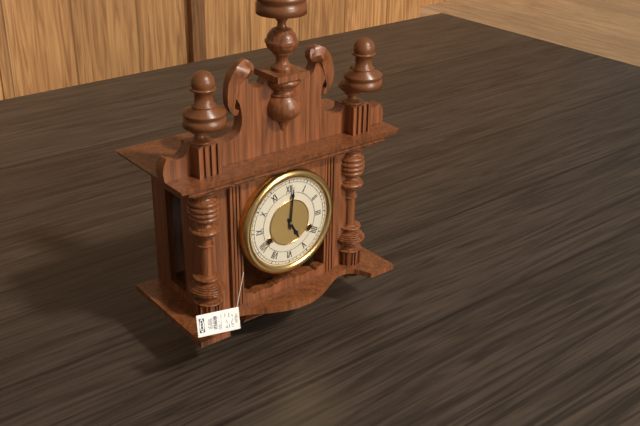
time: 5:01
